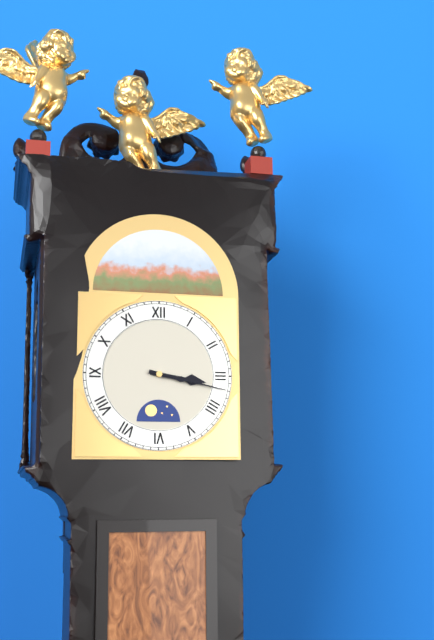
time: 3:17
